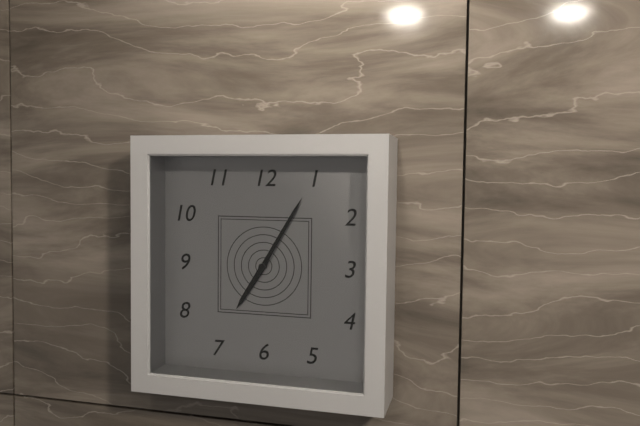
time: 7:05
